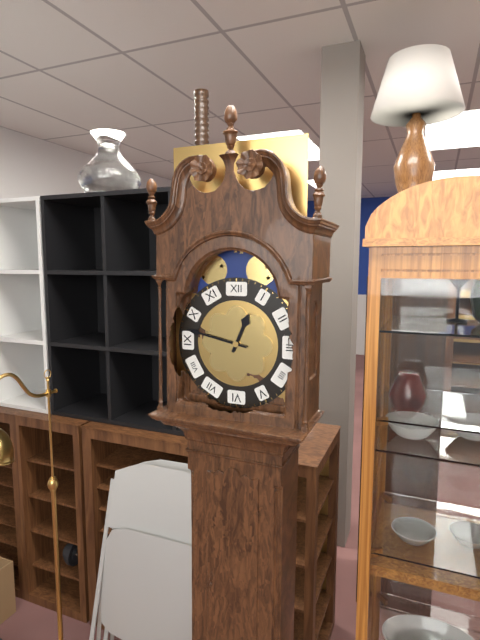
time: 12:47
